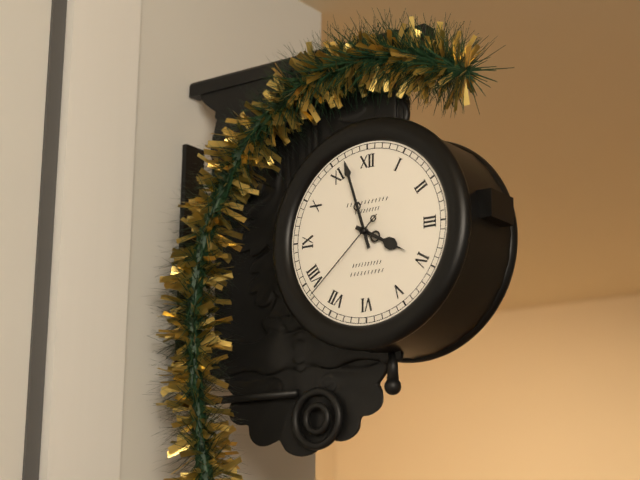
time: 3:57:38
